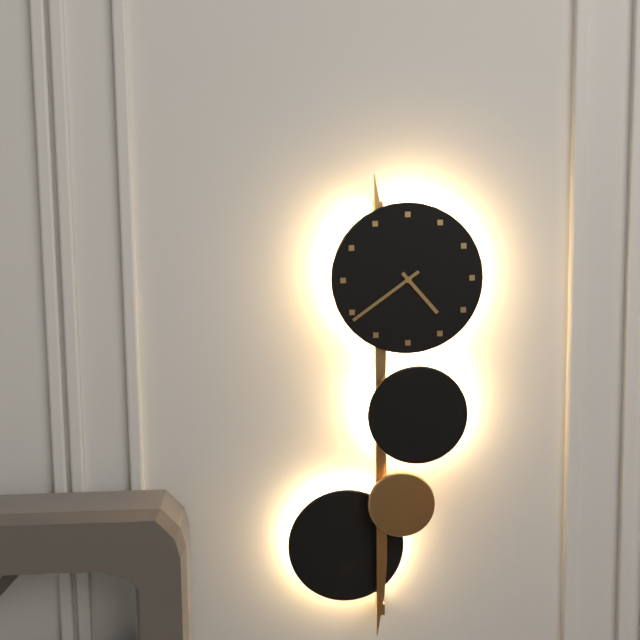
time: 4:39
